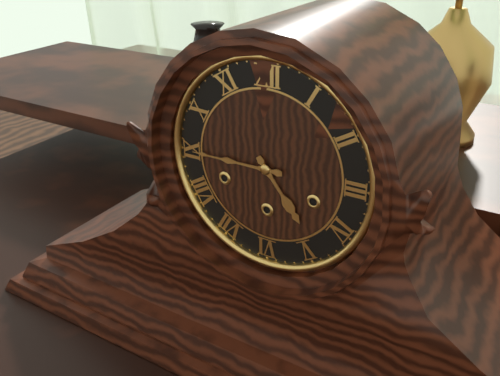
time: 4:45
